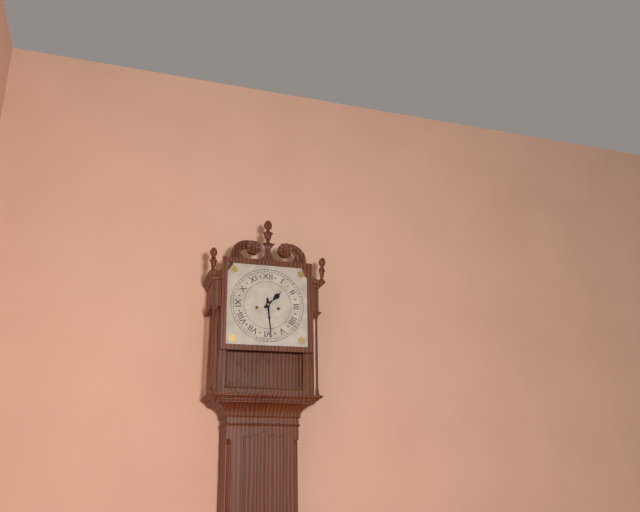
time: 1:29
